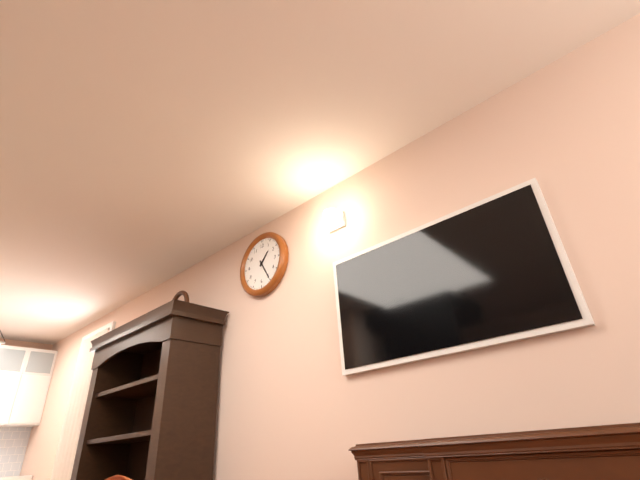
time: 1:25
